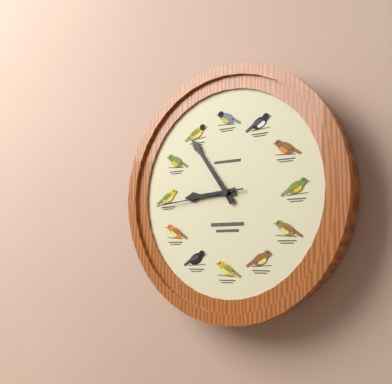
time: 8:54:44
